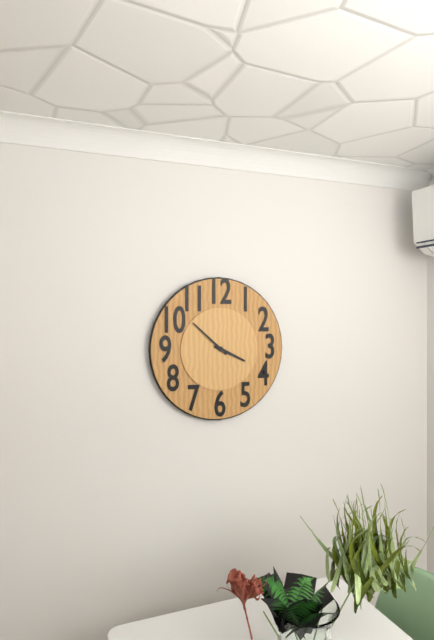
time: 3:52
